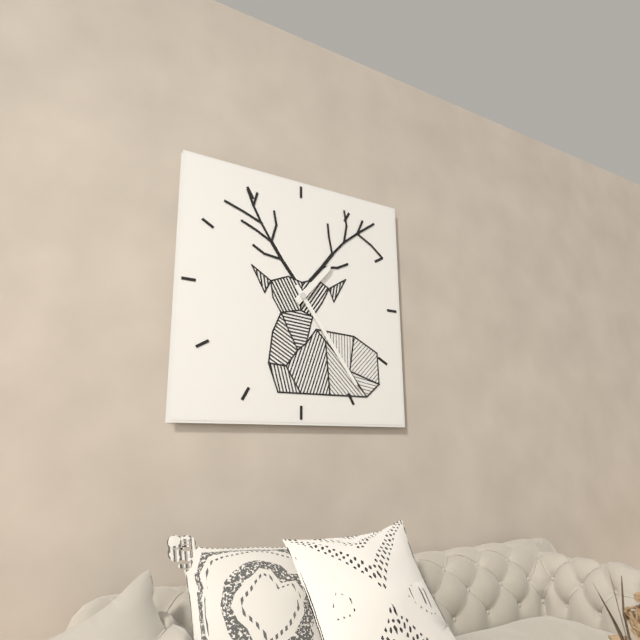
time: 1:24
